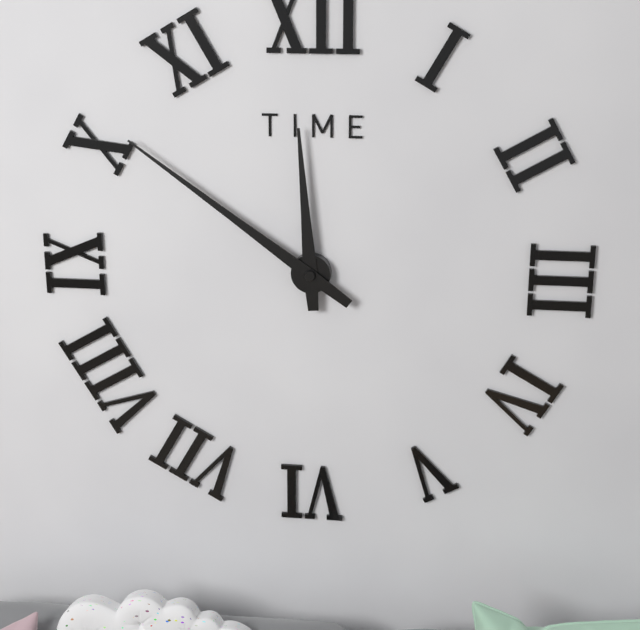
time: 11:51
